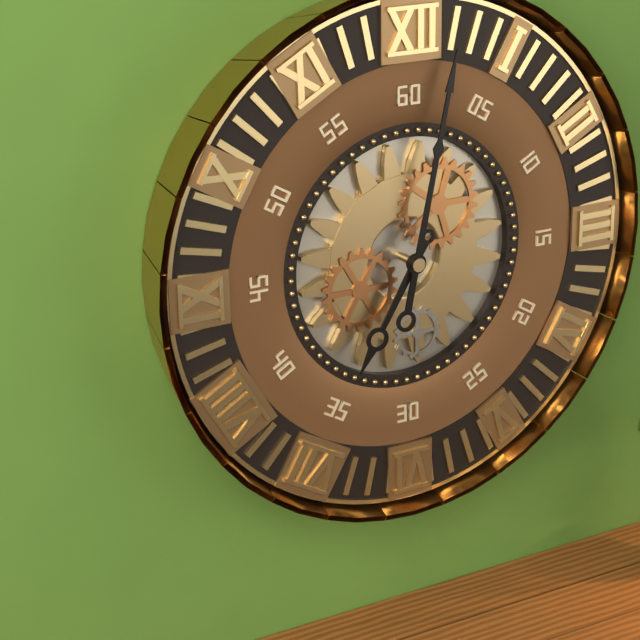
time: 7:02
